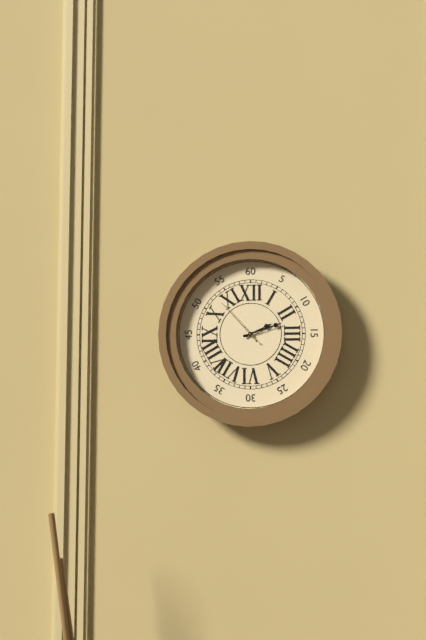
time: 2:12:53
